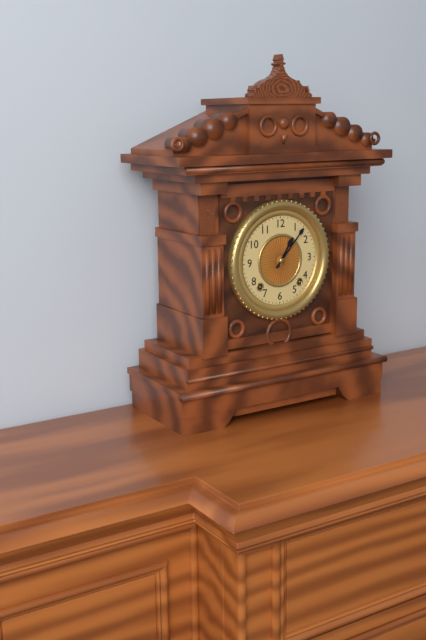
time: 1:07
